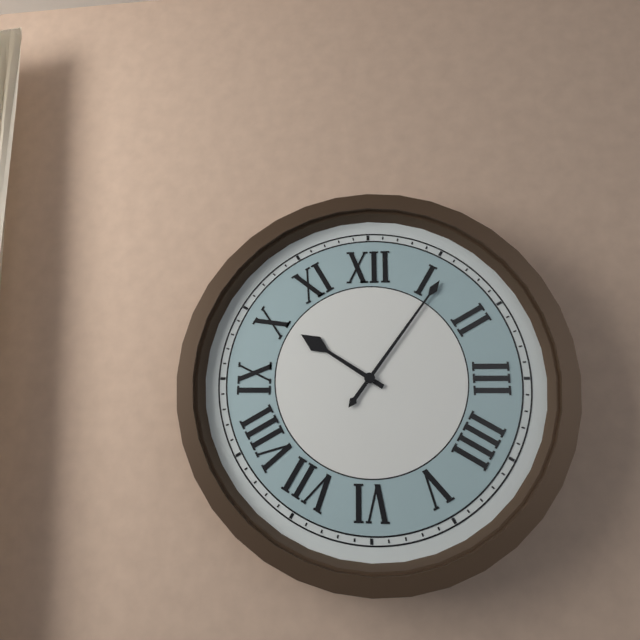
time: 10:06
